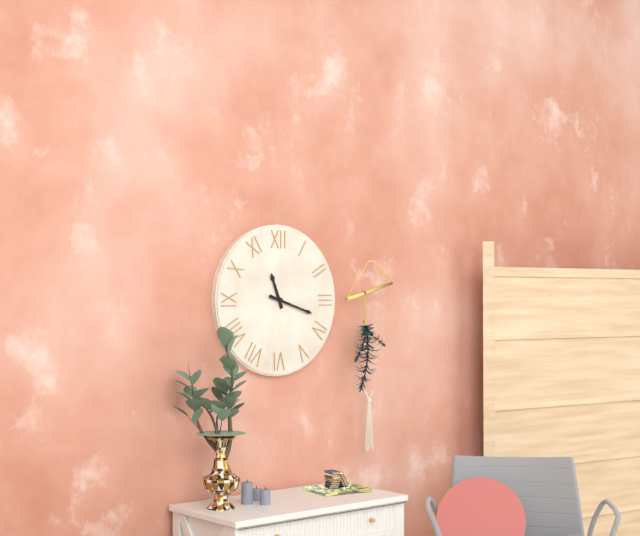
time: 11:18
